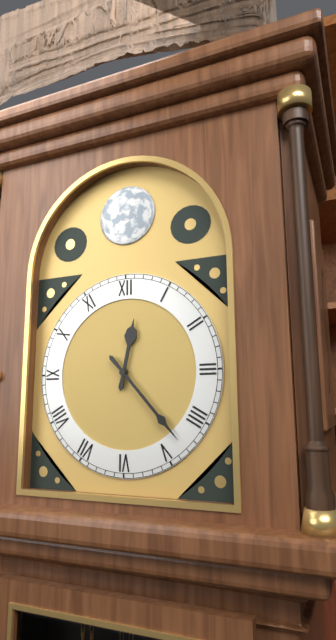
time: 12:23
